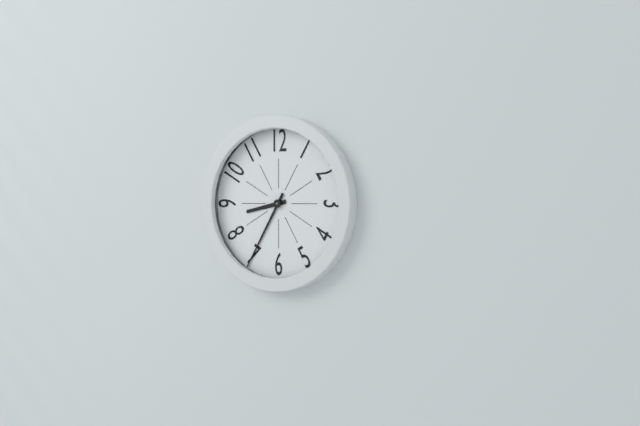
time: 8:35
